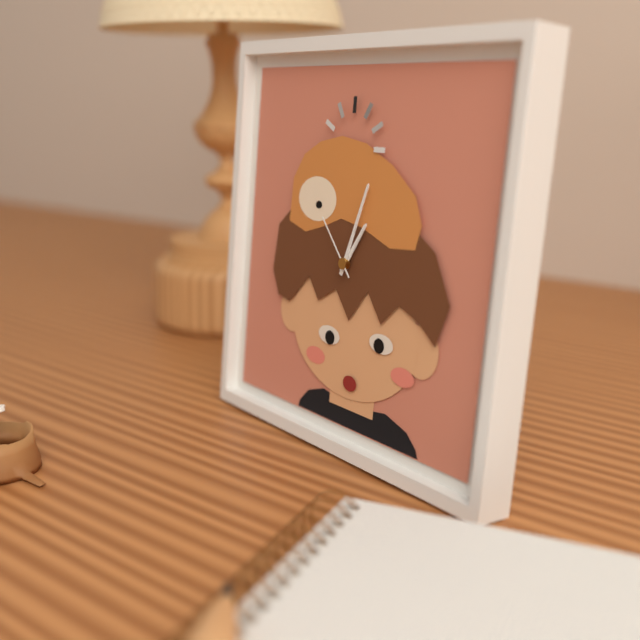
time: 1:03:53
